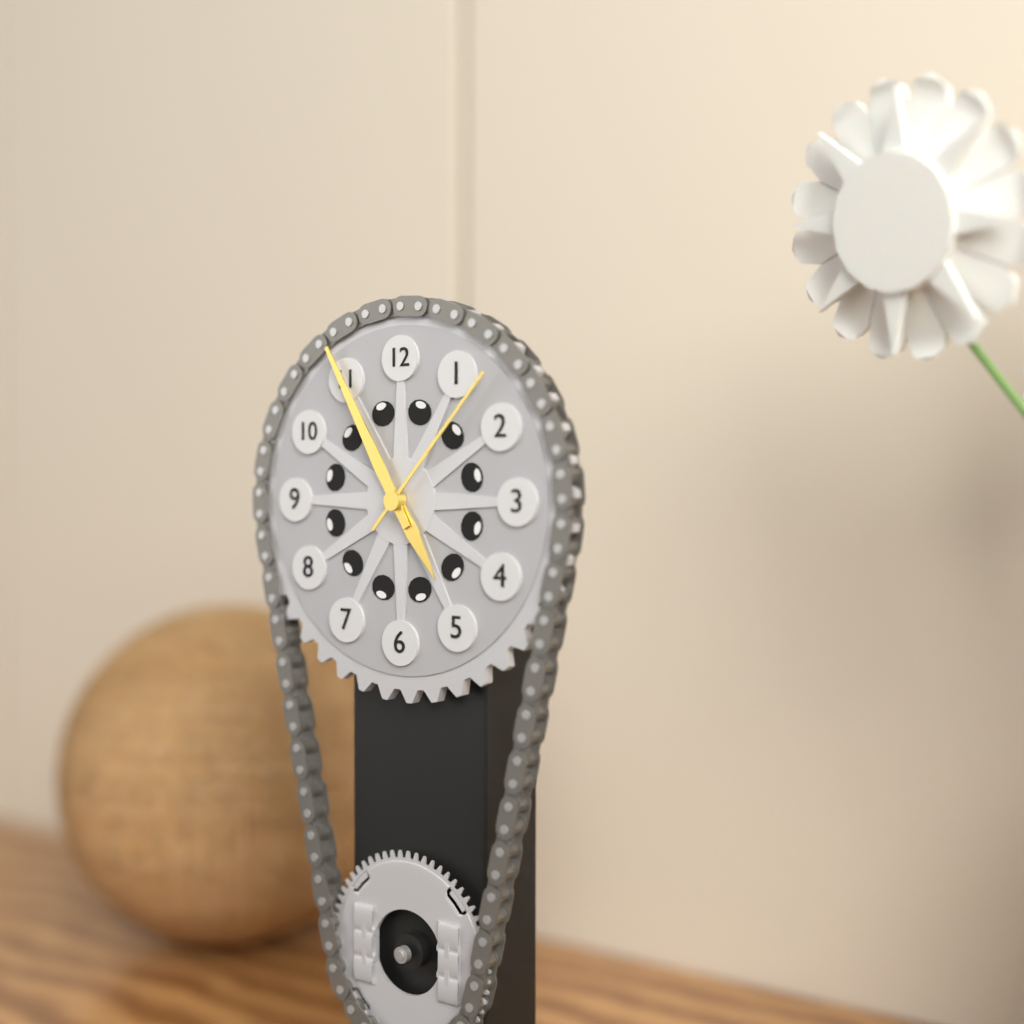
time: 4:55:07
